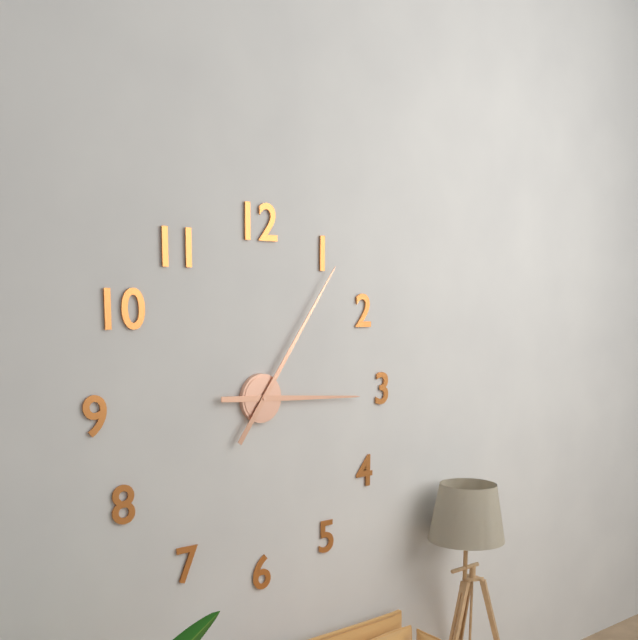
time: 3:06
